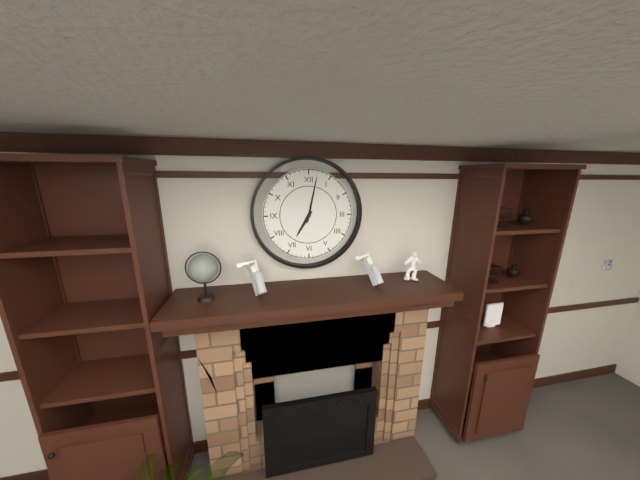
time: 7:02
